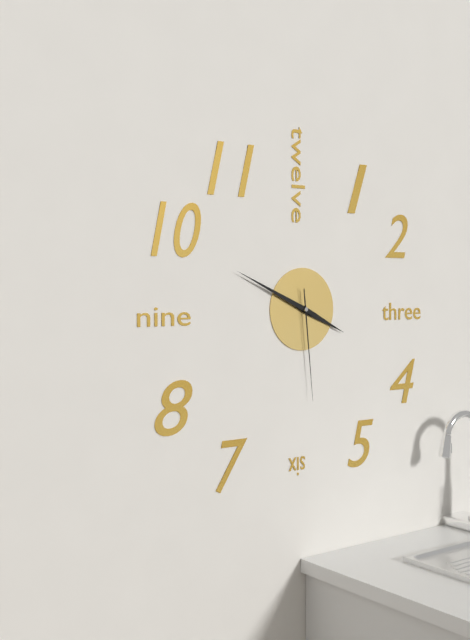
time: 3:49:29
